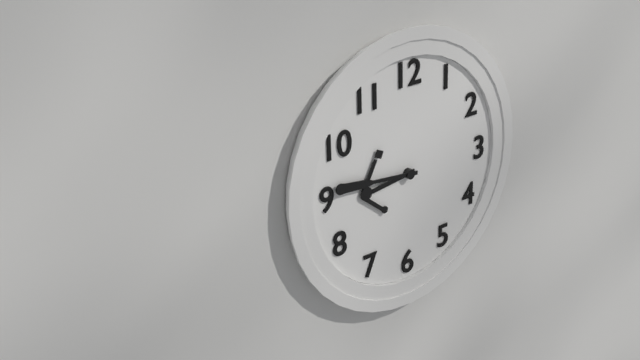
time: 8:46
